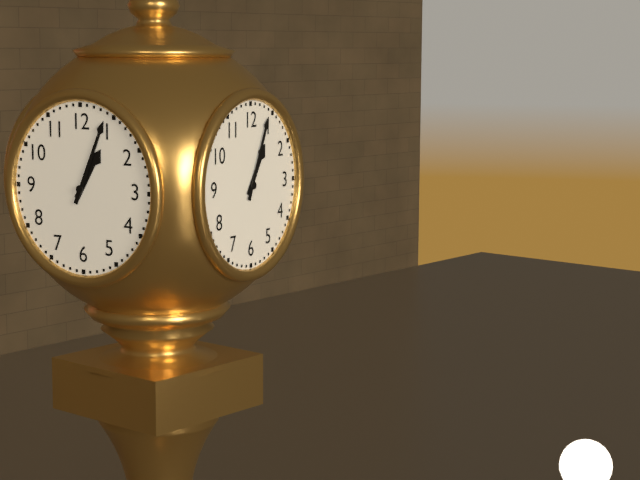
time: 1:04
